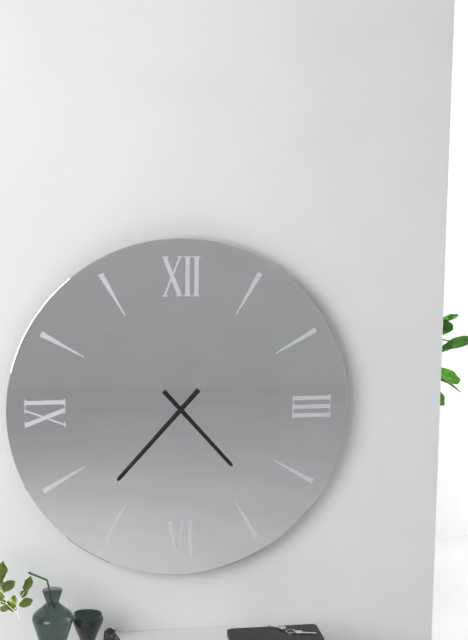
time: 4:37
